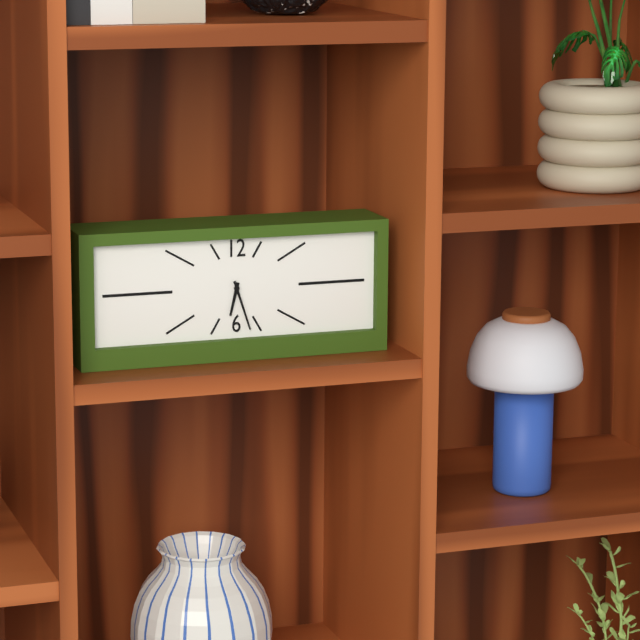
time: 6:27
